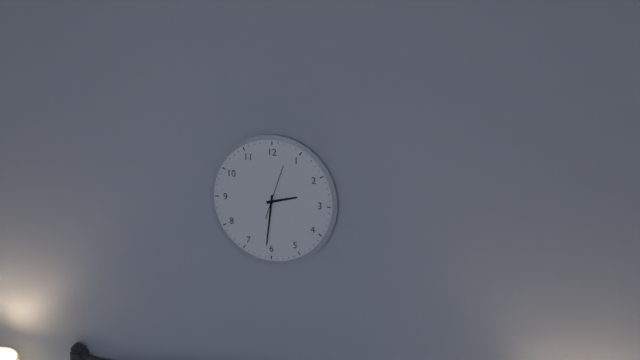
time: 2:31
